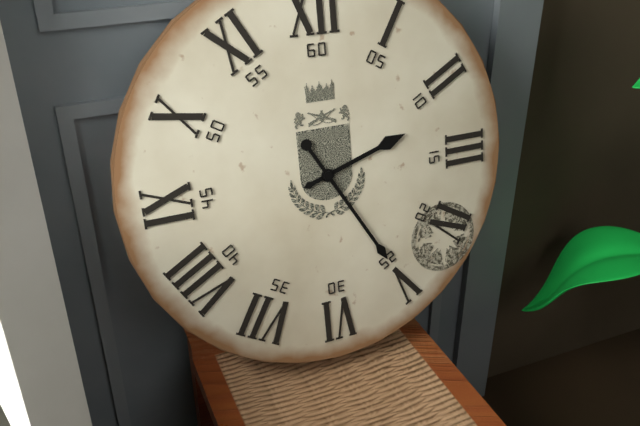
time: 2:25
